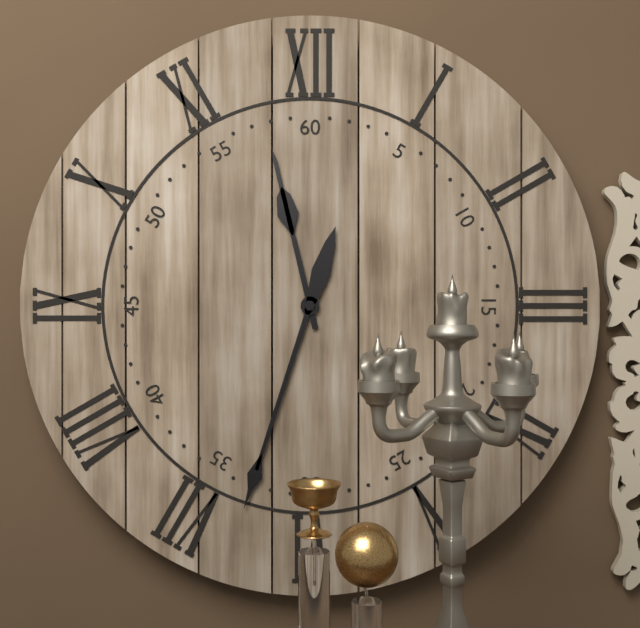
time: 11:33
